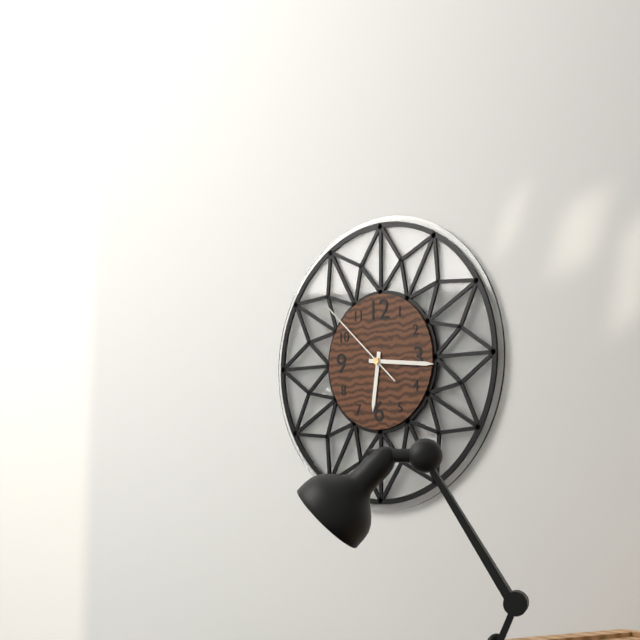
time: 6:16:52
